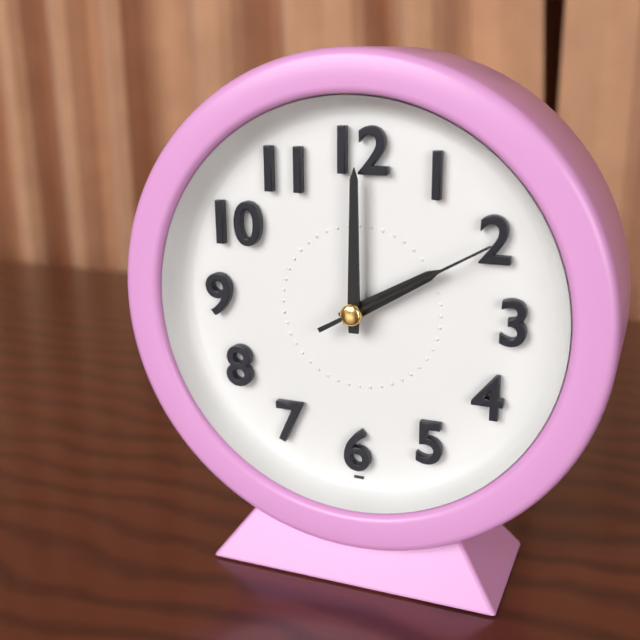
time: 2:00:10
